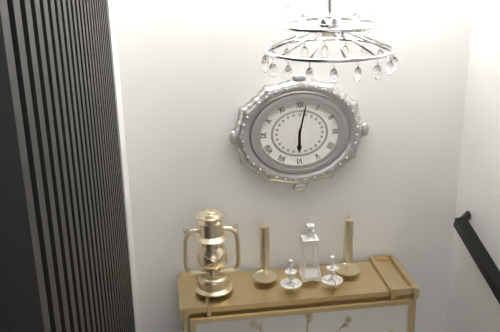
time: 6:02
